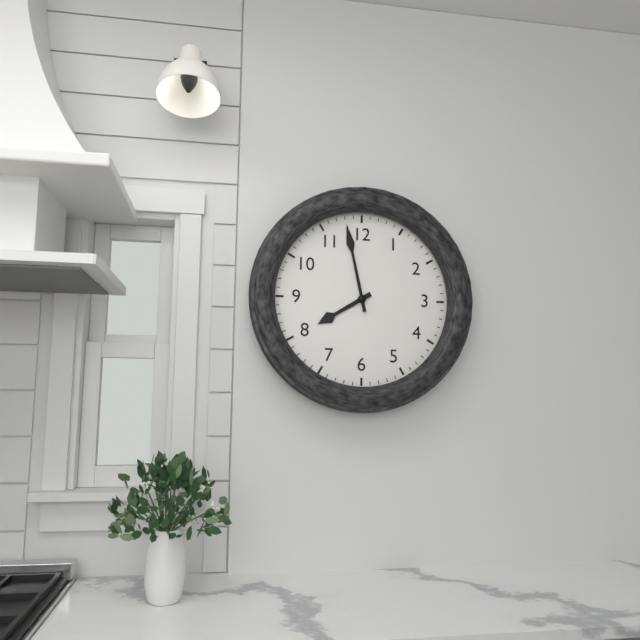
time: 7:58
